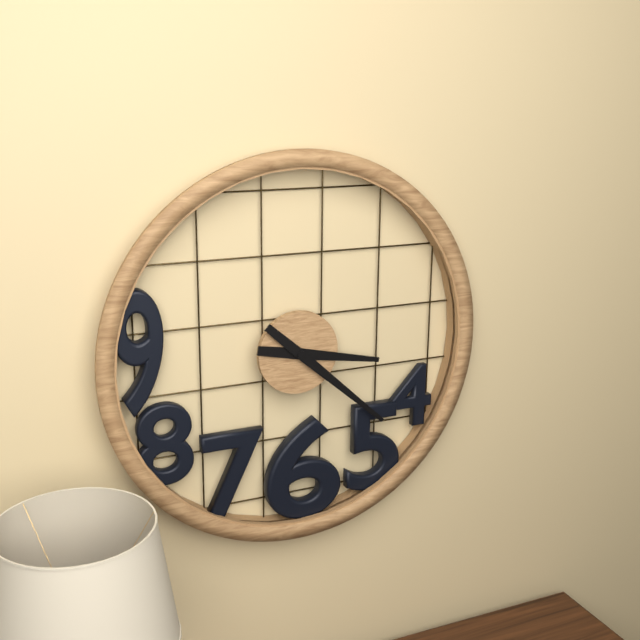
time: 3:22
